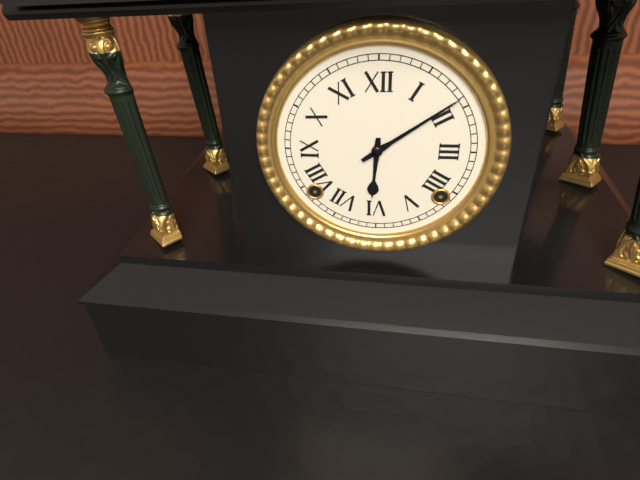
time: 6:09
